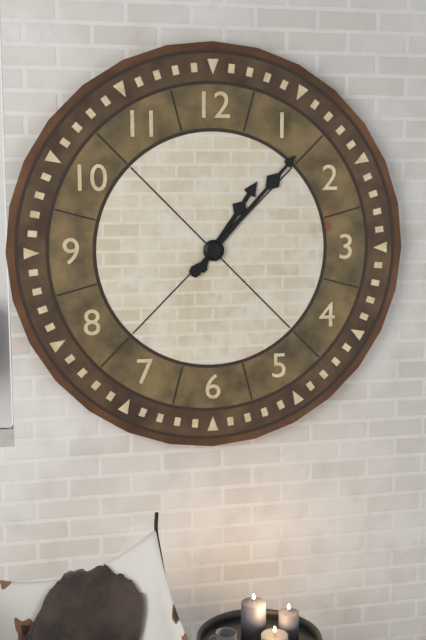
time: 1:07
